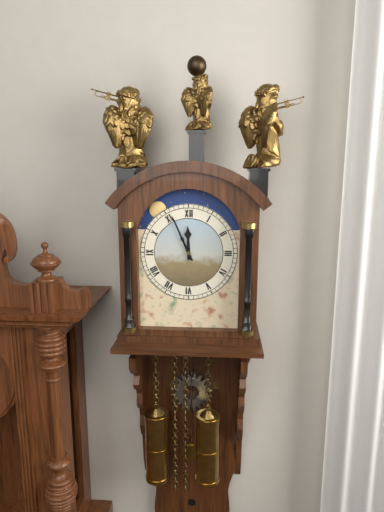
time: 11:56
